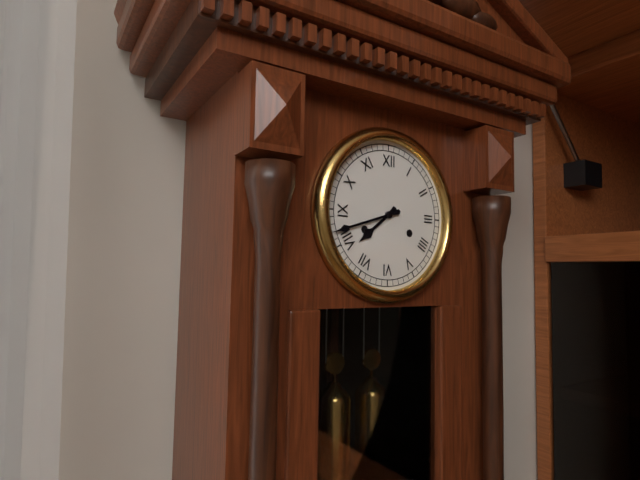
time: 7:42
